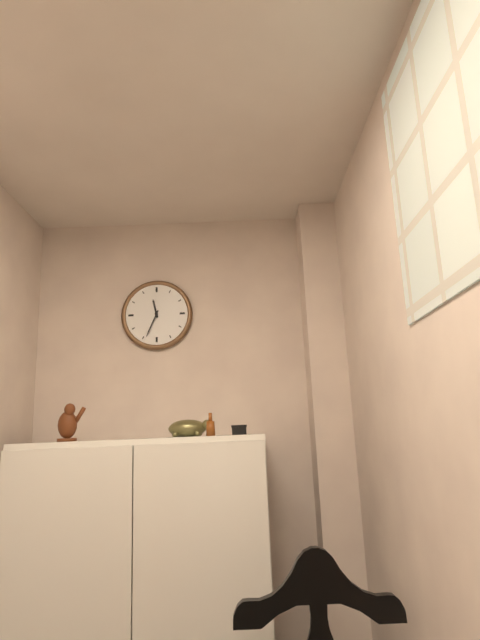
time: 11:34
